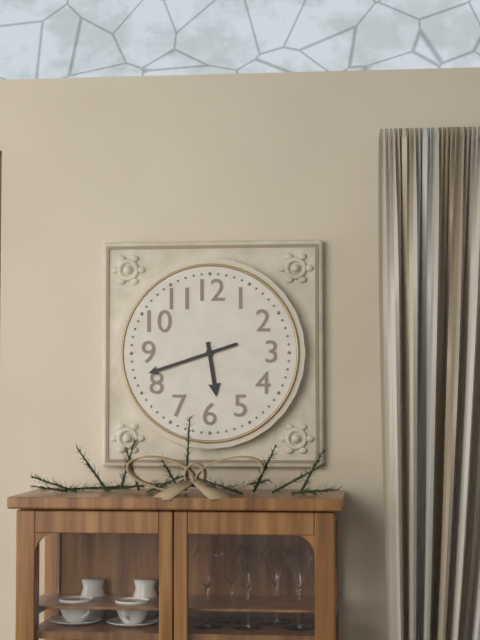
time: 5:42
